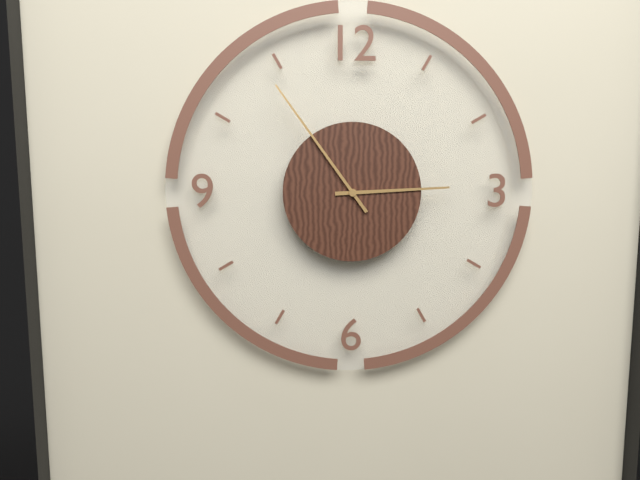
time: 2:54
